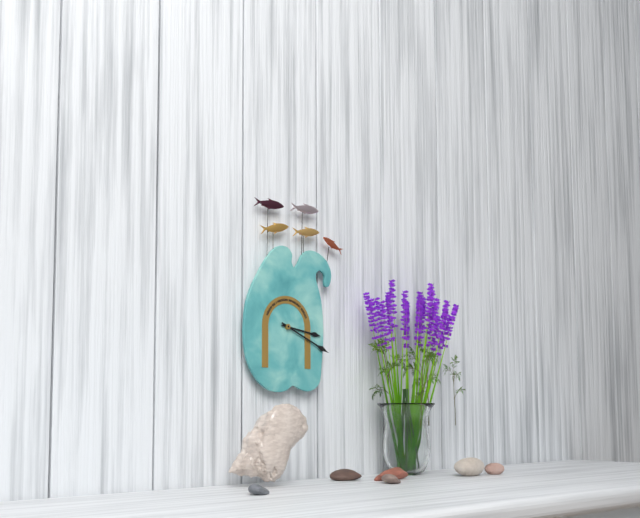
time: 3:19
